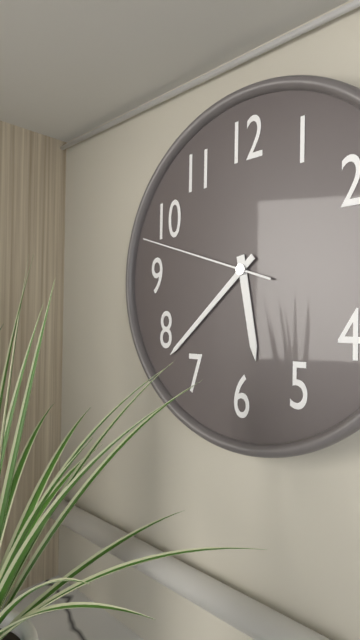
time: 5:38:48
